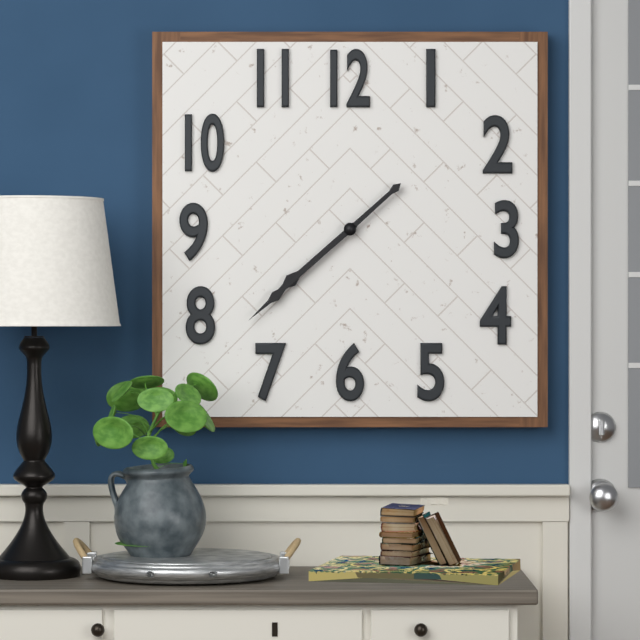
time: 7:38
